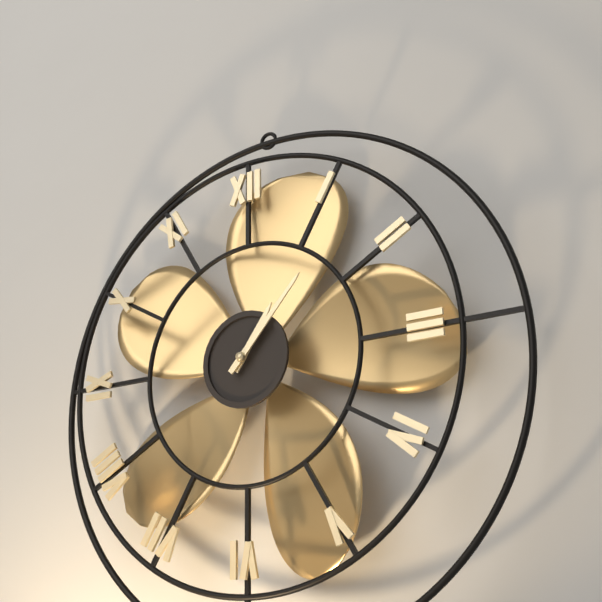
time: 1:07
